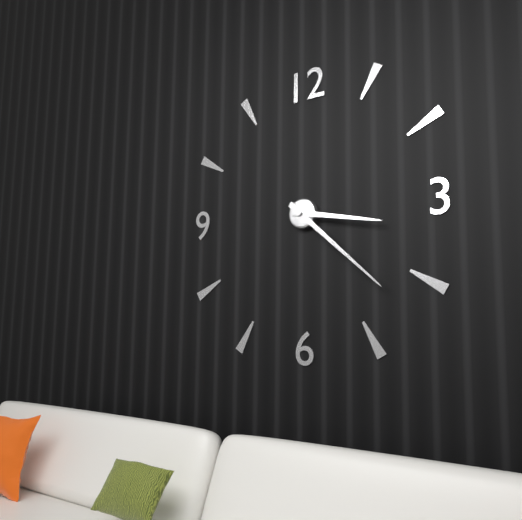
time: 3:22
